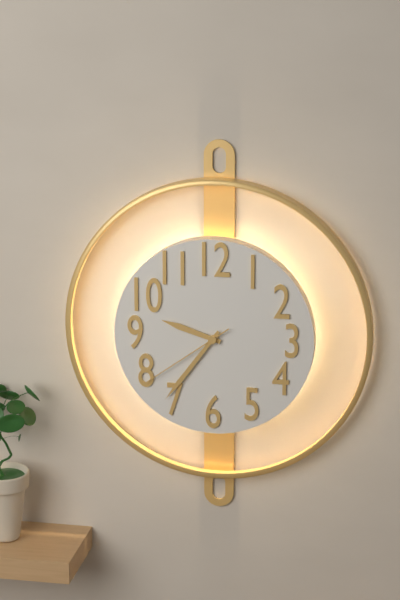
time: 9:36:39
